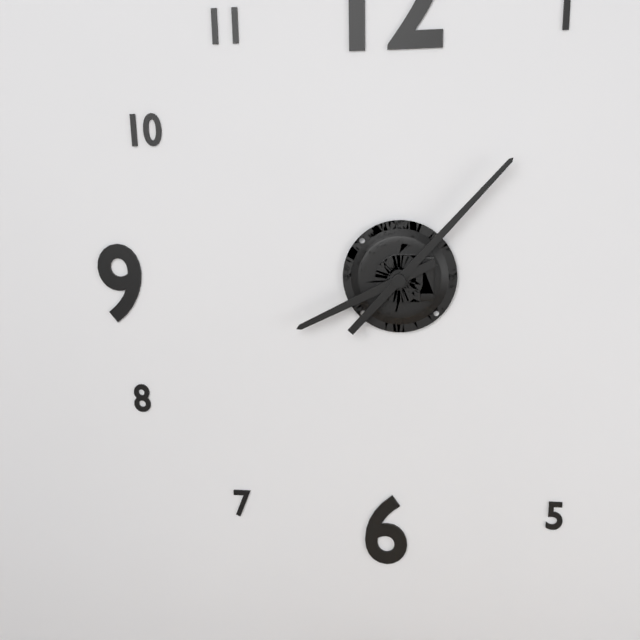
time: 8:07
